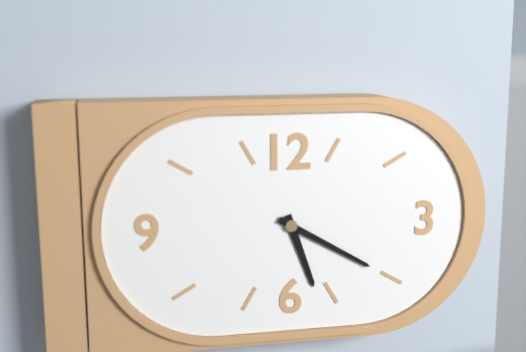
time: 5:20
